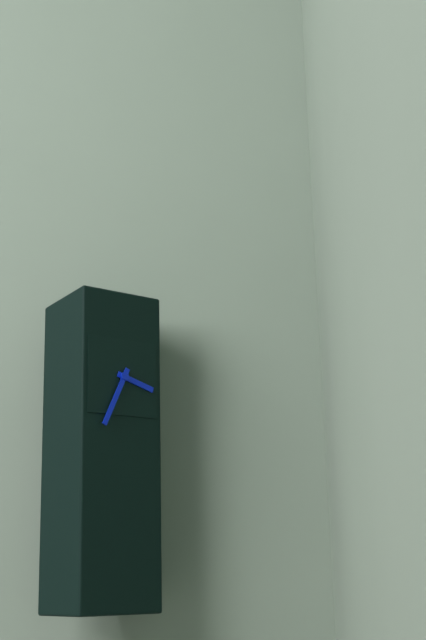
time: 3:34
